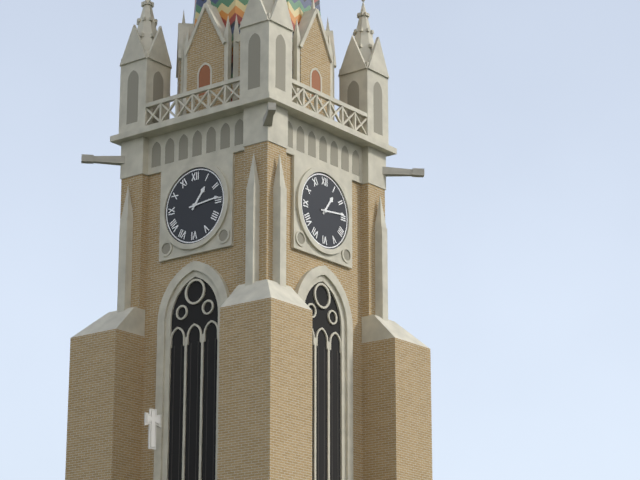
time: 1:14
